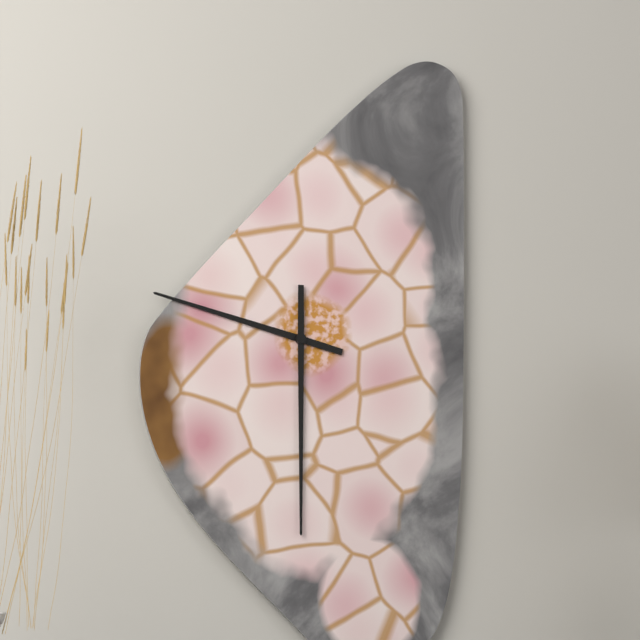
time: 9:30
